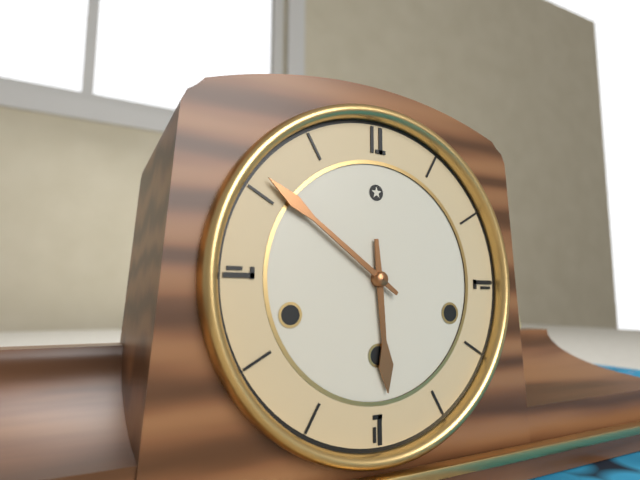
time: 5:51
